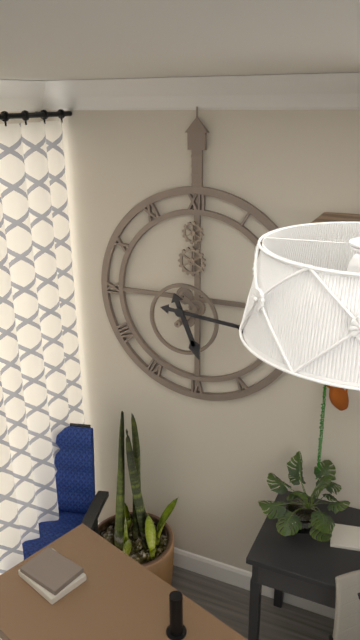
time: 5:16
